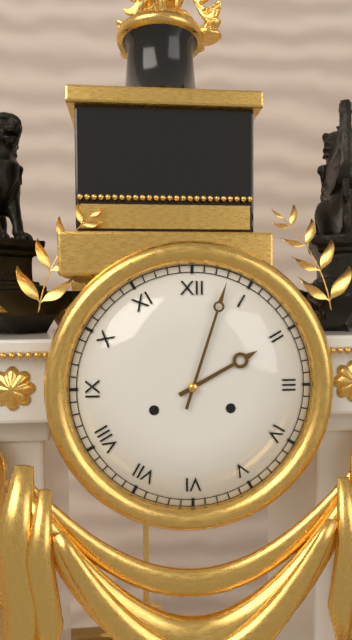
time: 2:03
